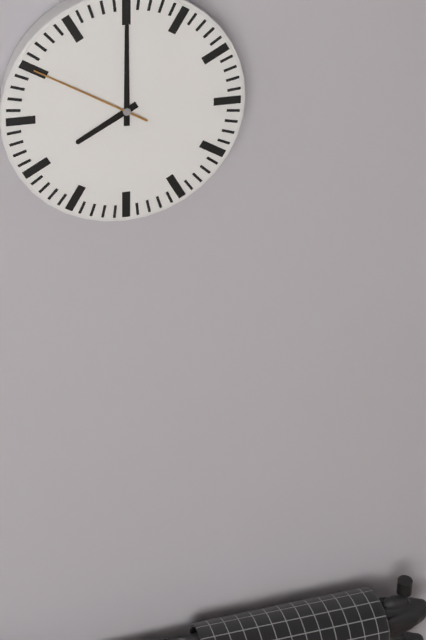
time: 8:00:50
